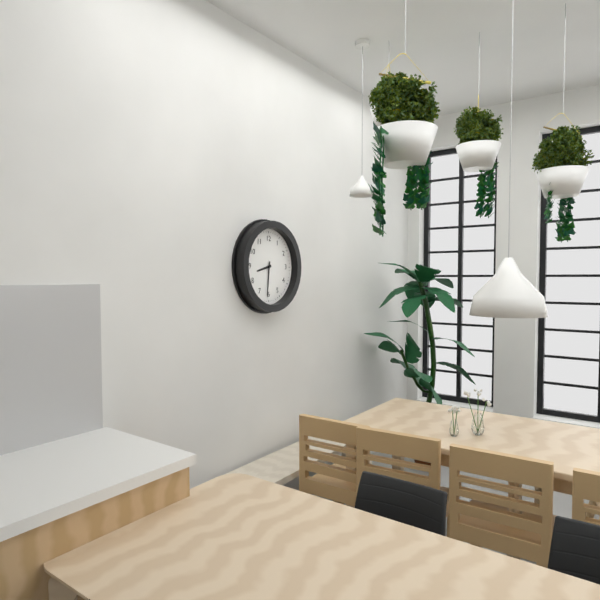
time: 8:31
